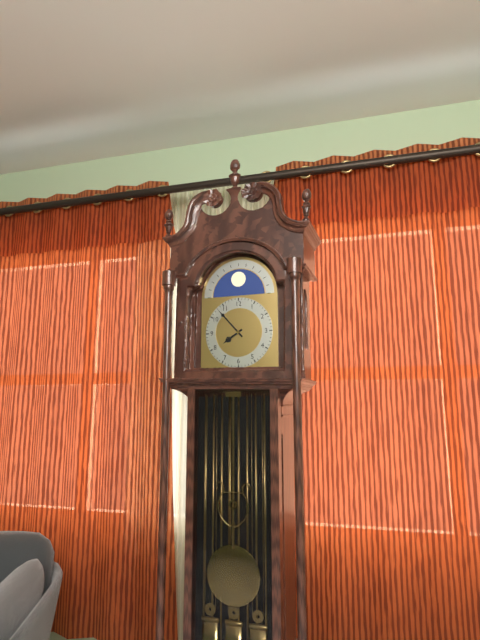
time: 7:53
